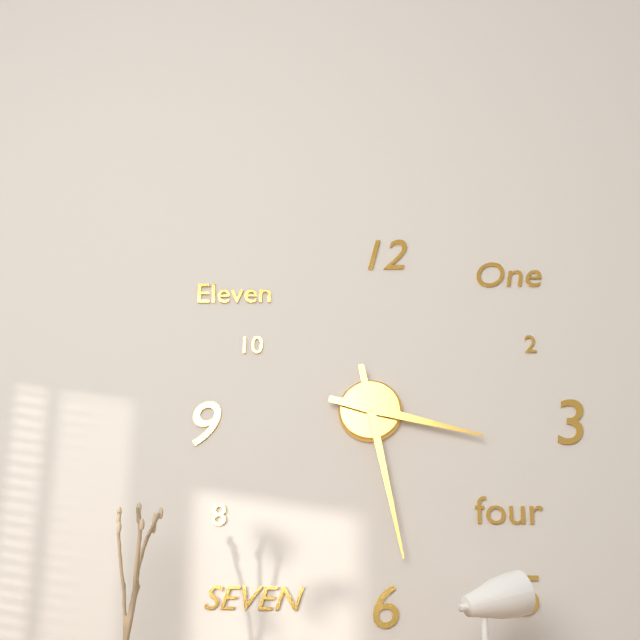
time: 3:28
